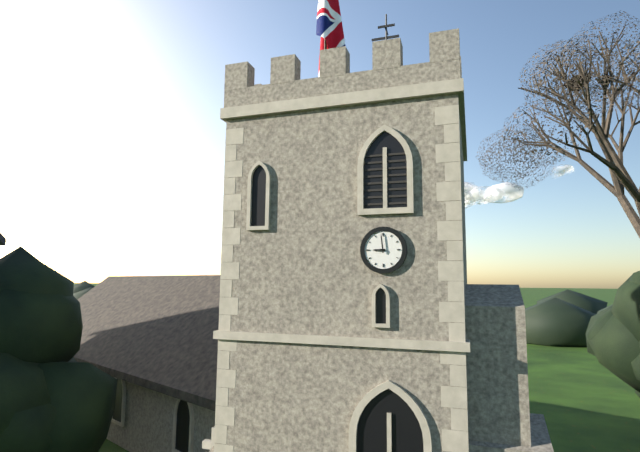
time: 8:59
